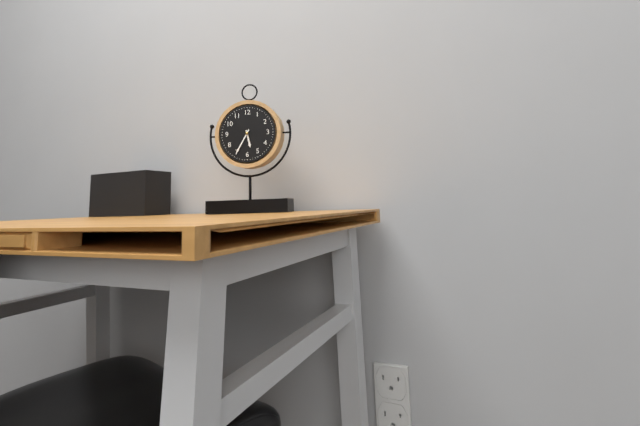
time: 5:35
